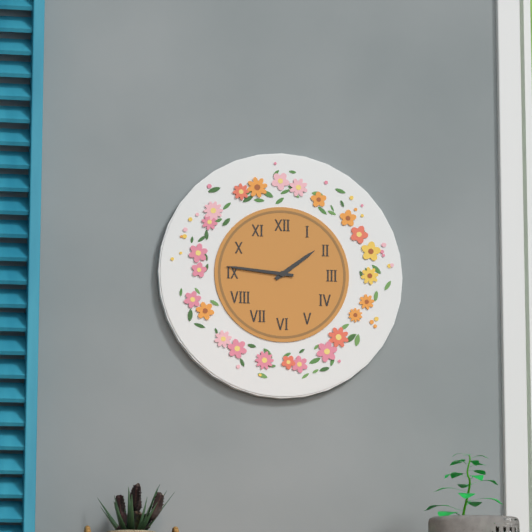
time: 1:46
